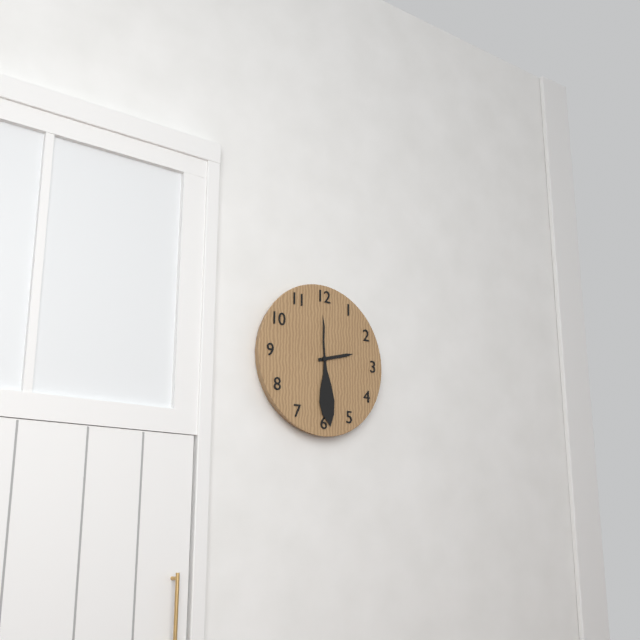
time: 2:29
